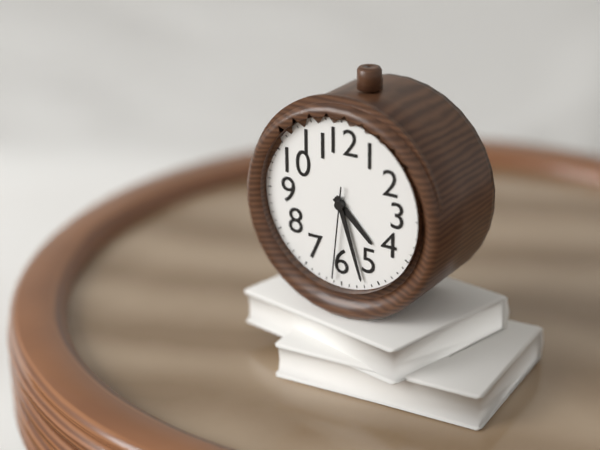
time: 4:27:31
